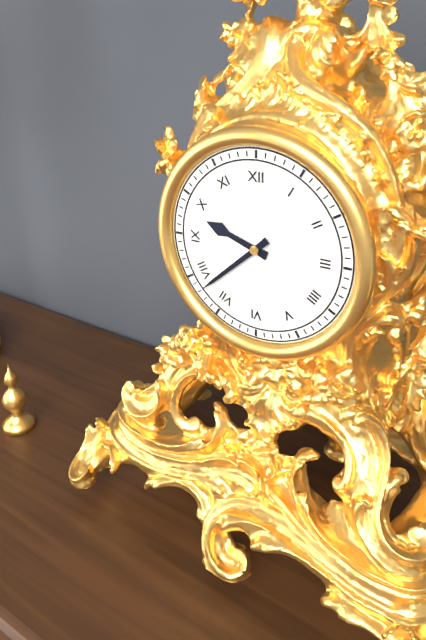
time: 9:38
